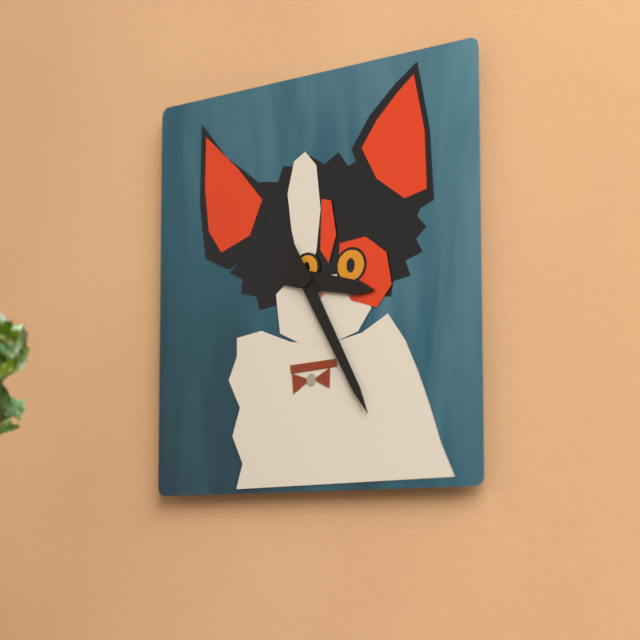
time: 3:25
